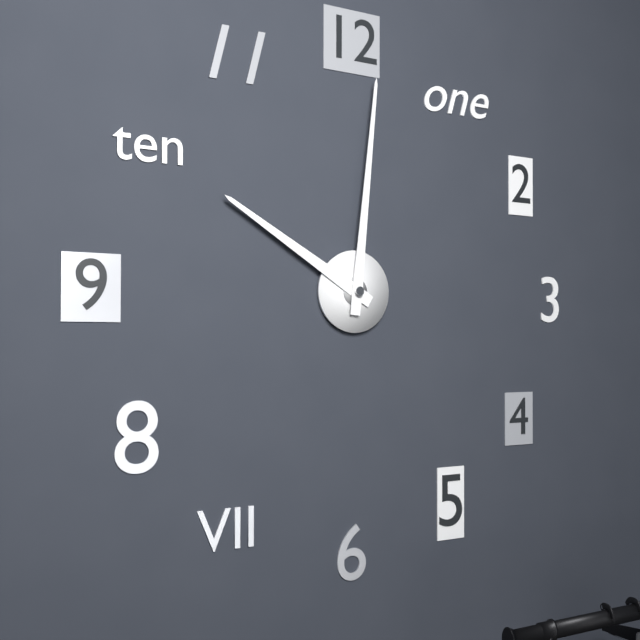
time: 10:01
